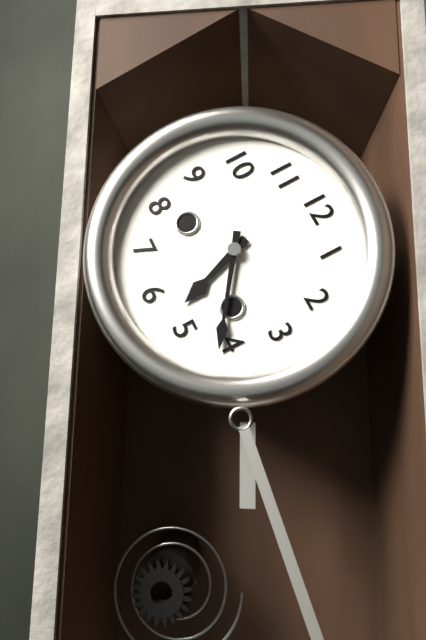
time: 5:21
